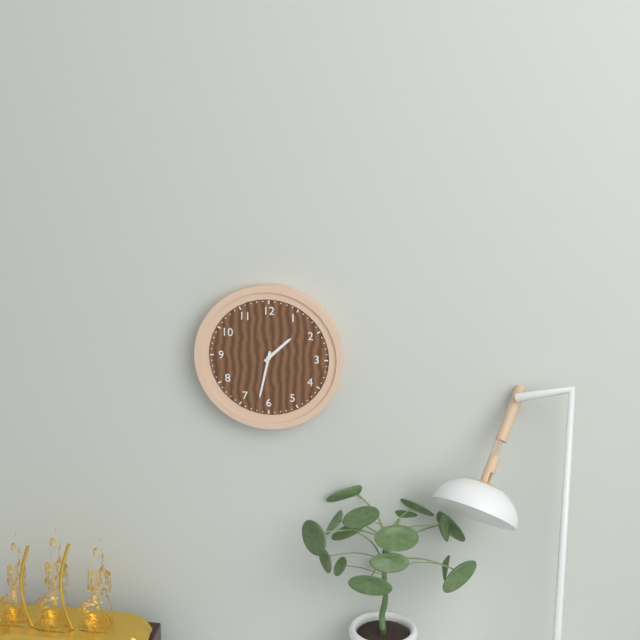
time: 1:32
